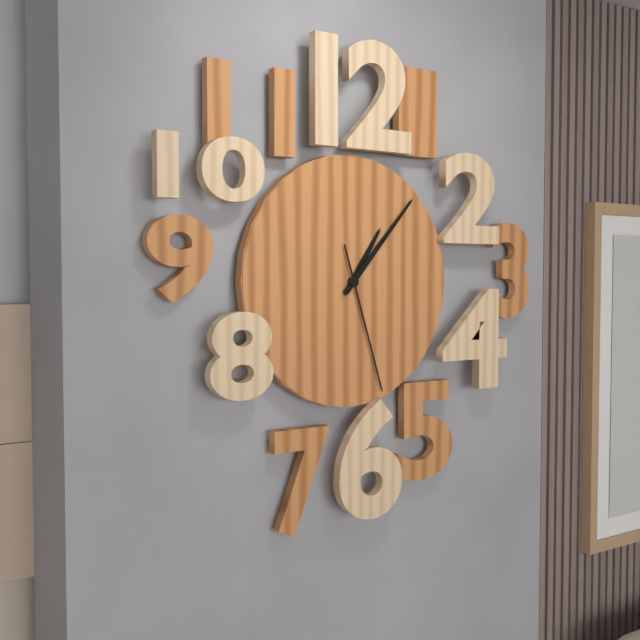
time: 1:07:27
